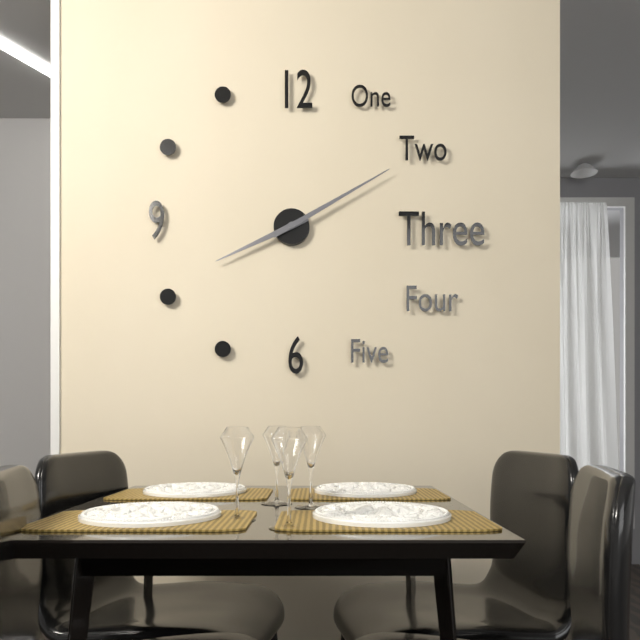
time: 8:10
